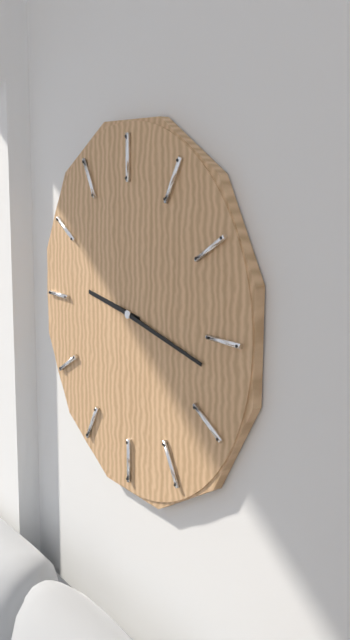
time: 9:17
